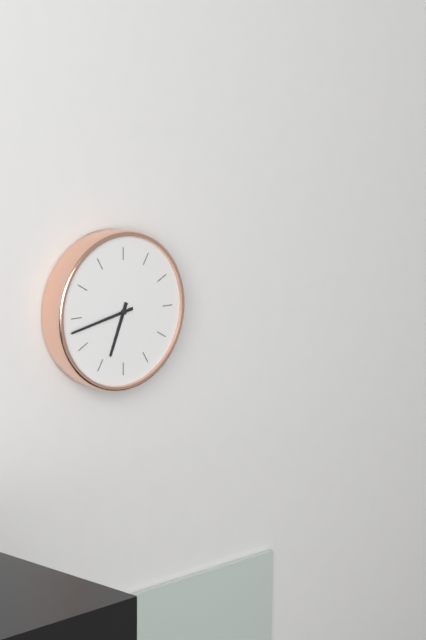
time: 6:43
